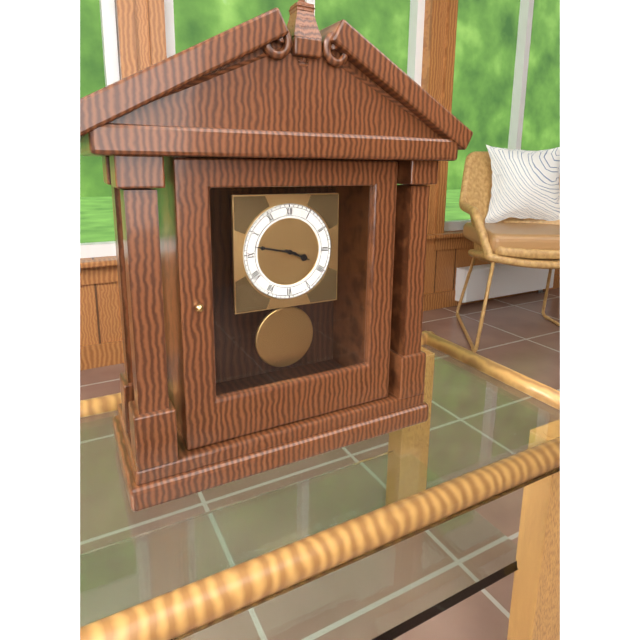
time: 3:47
